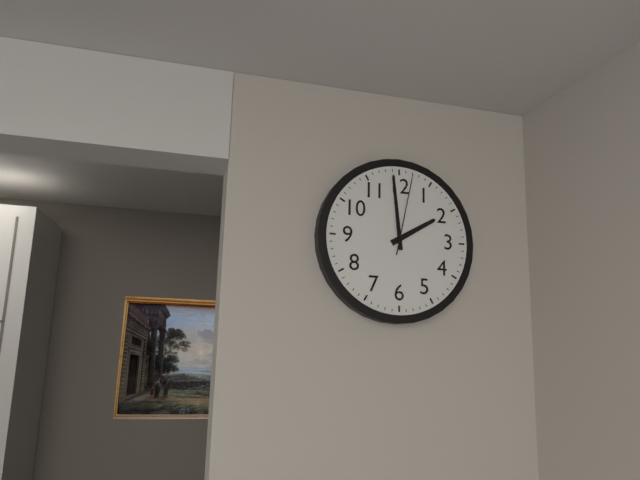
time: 1:59:02
